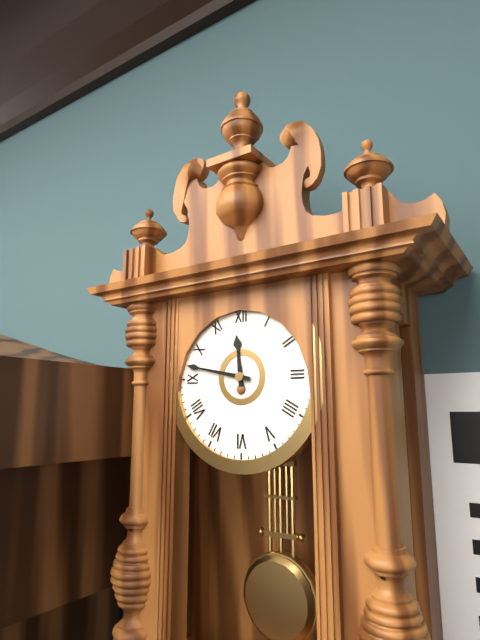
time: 11:47
